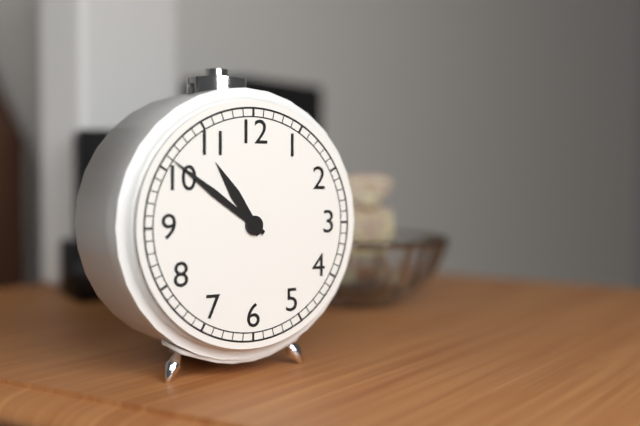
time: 10:51
